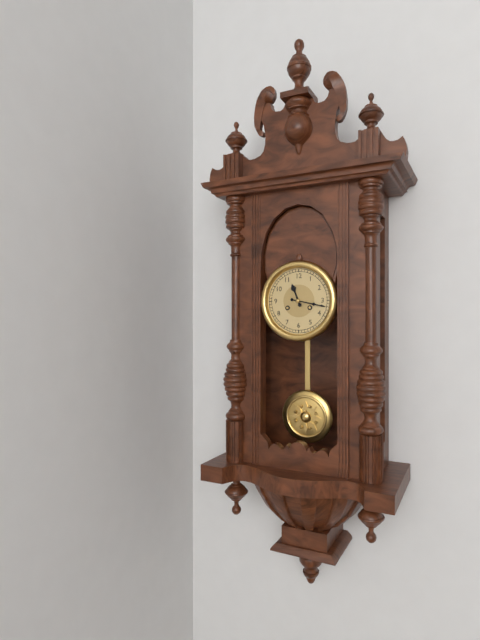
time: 11:17
